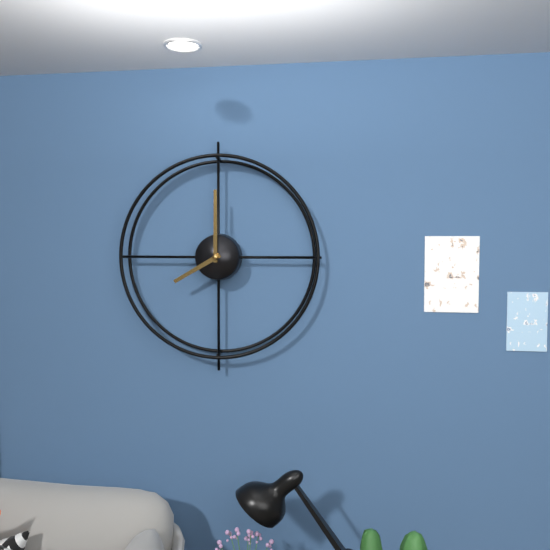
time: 8:00
